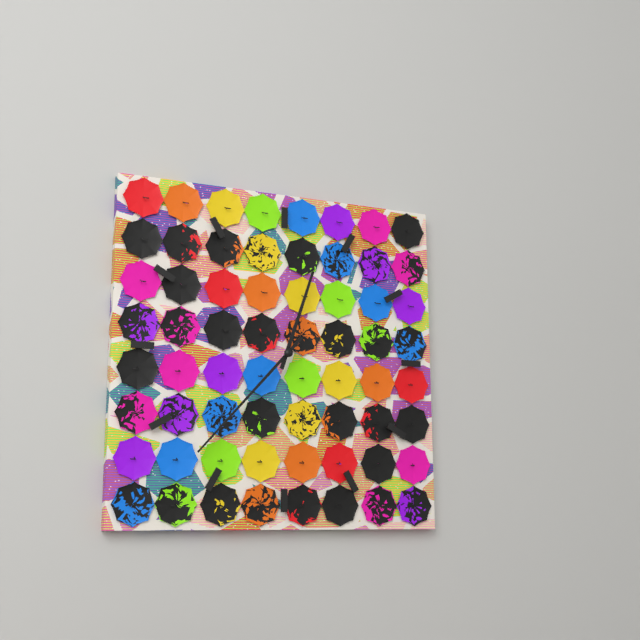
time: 12:37
